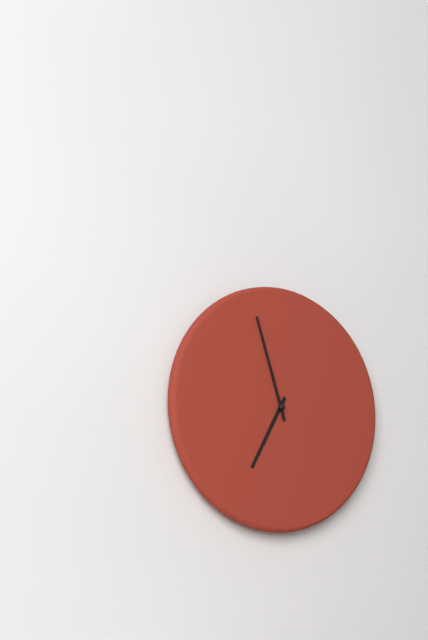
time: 6:57
